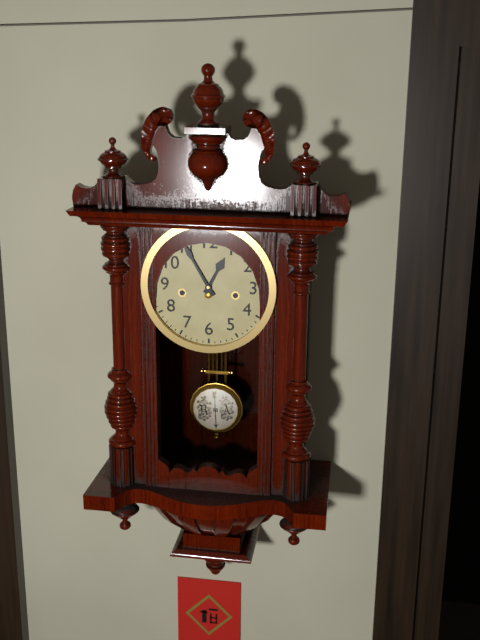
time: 12:55
